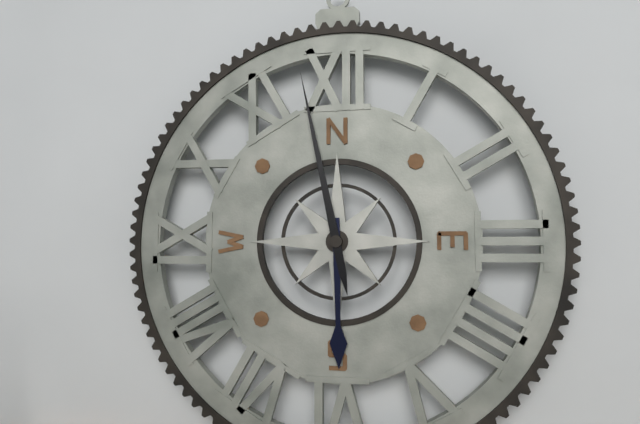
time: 5:58
